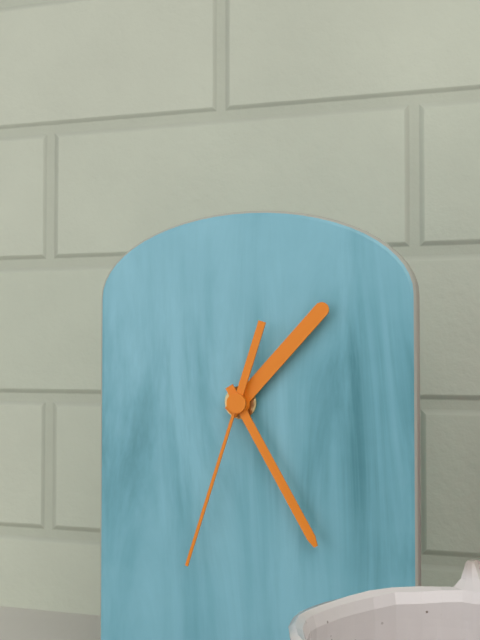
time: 1:25:33
